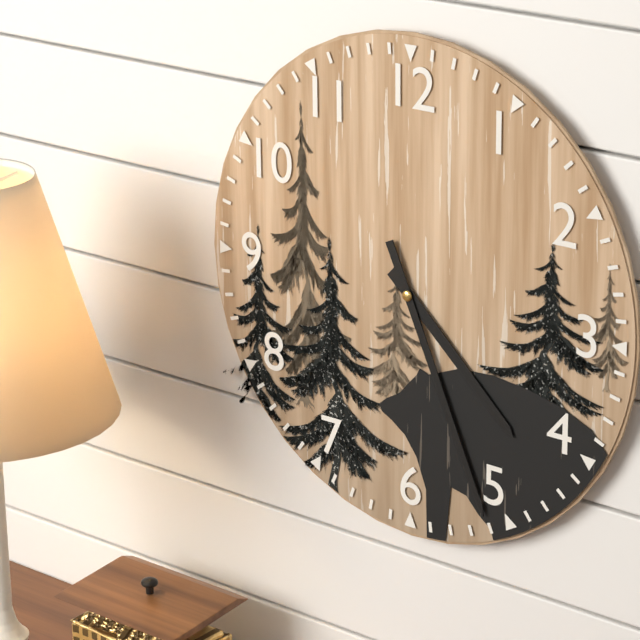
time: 4:26
